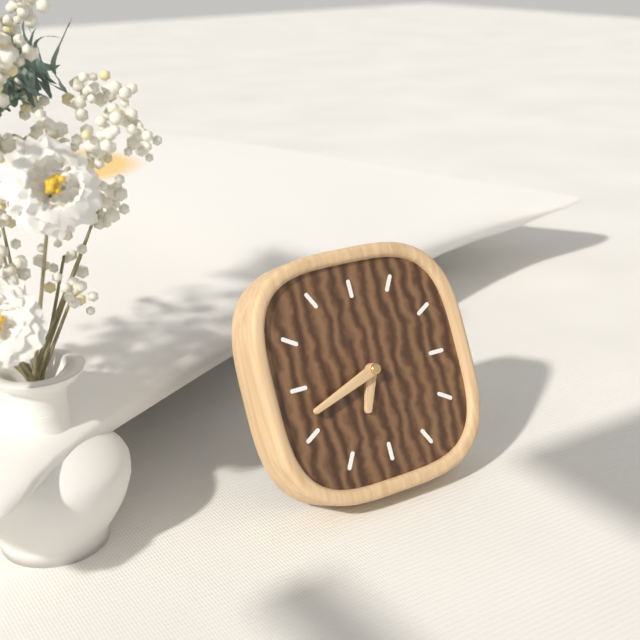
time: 6:42
